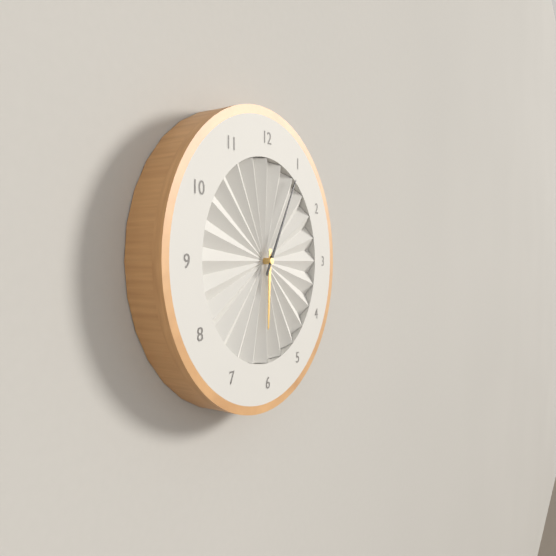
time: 6:05
